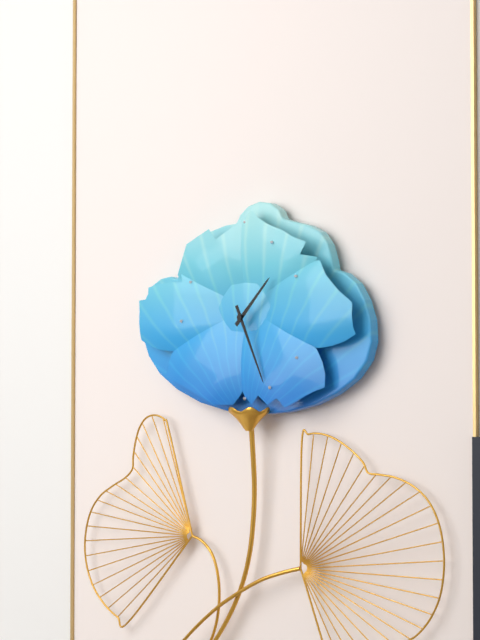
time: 1:26
